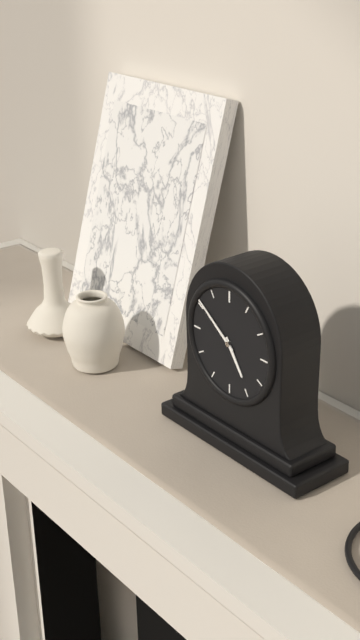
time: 4:51
